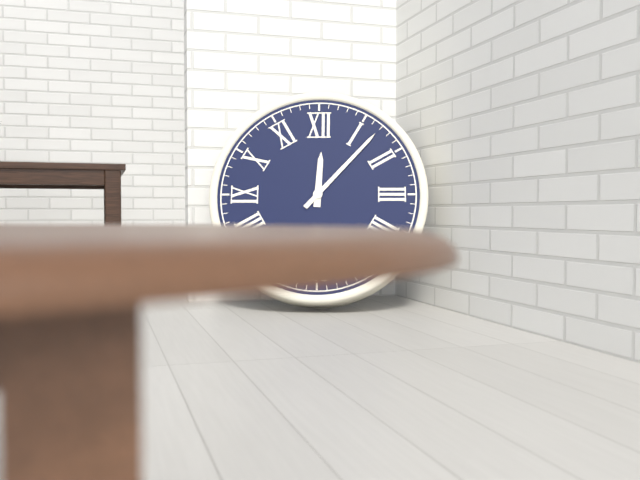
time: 12:07
